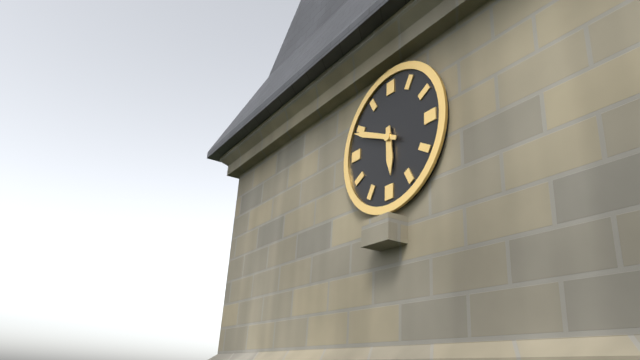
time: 5:49
